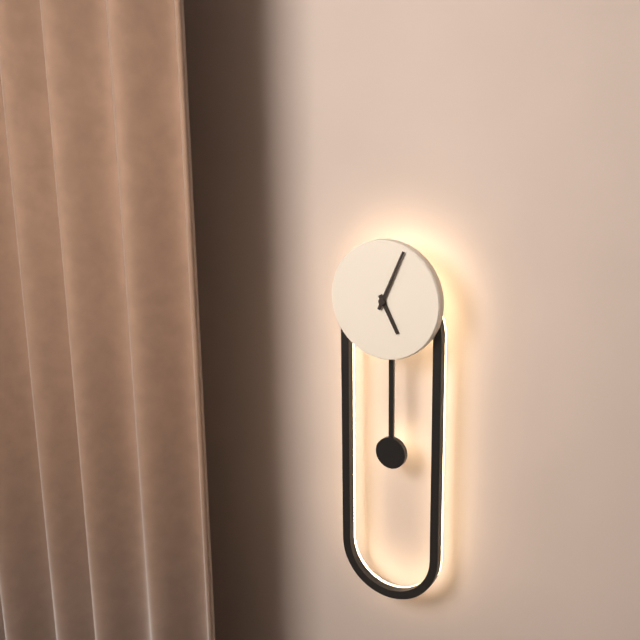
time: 5:04
